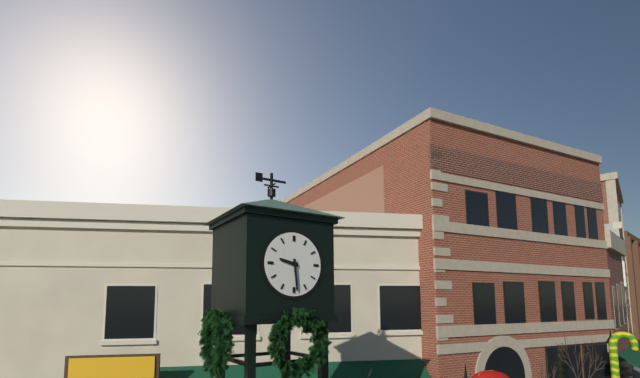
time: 9:29
